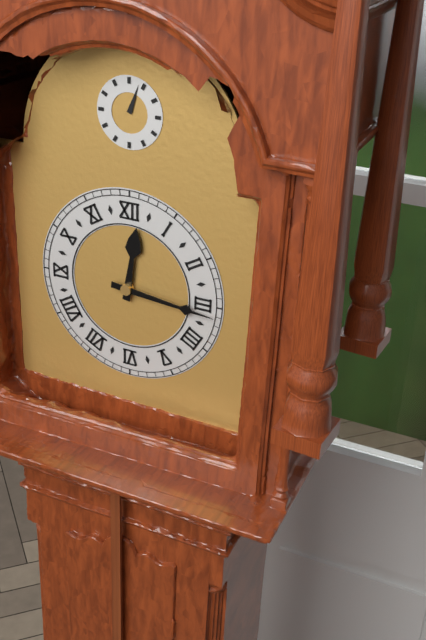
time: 12:16
